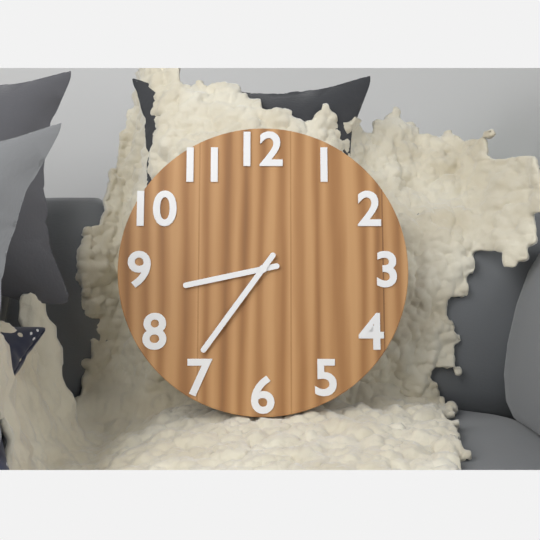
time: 8:36
